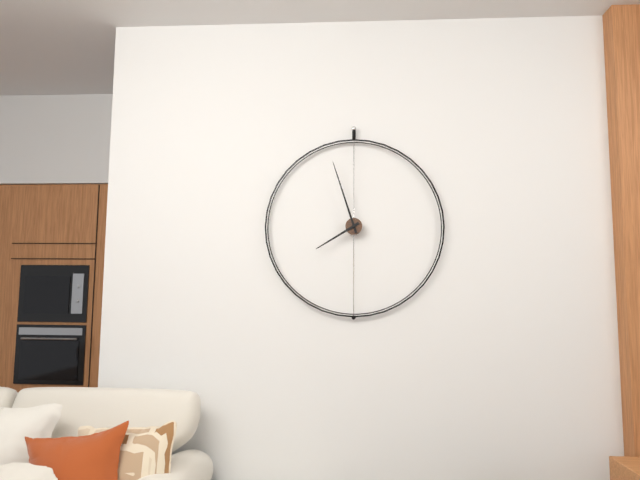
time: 7:57
